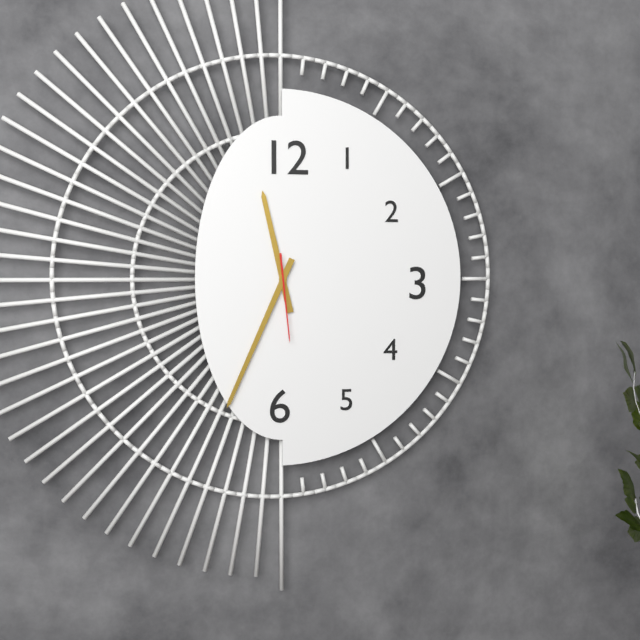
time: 11:34:29
